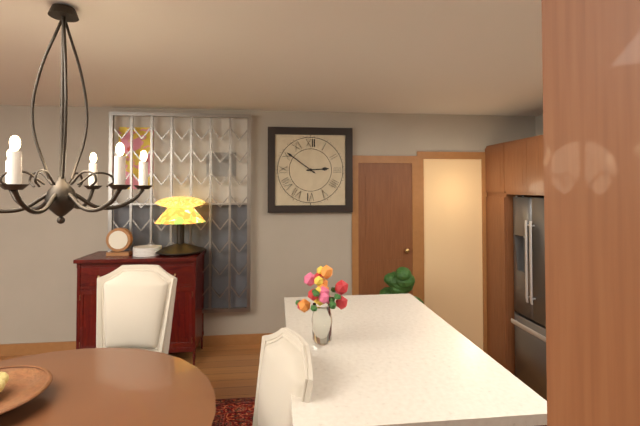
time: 2:51
